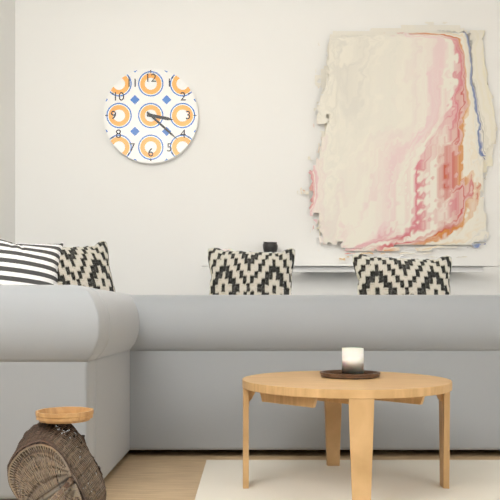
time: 3:22
